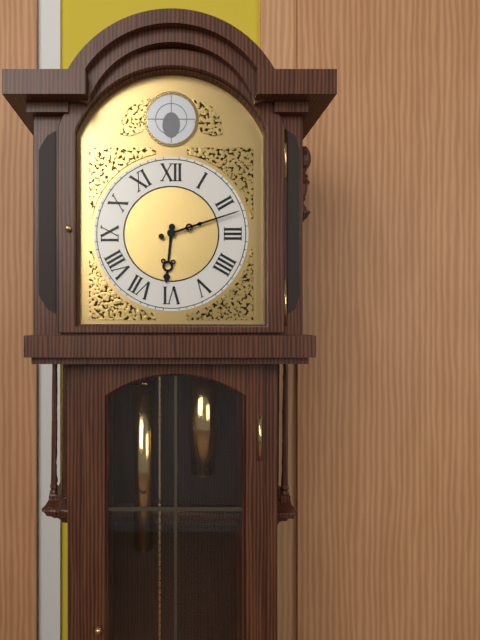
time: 6:12
